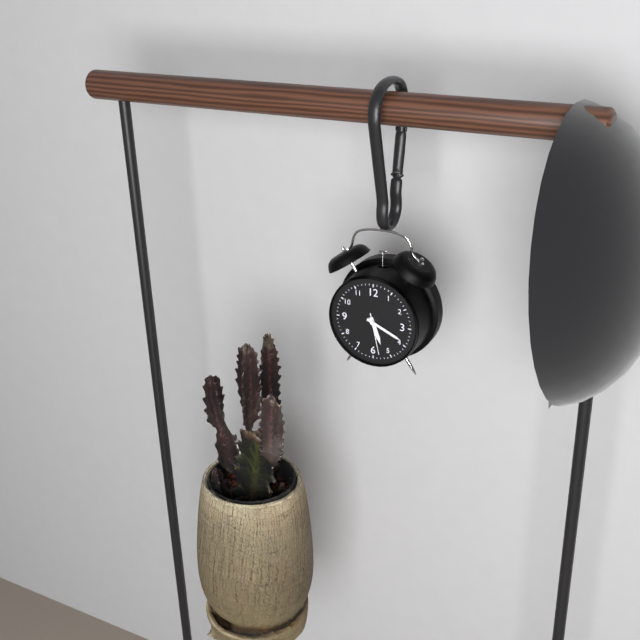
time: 5:19
